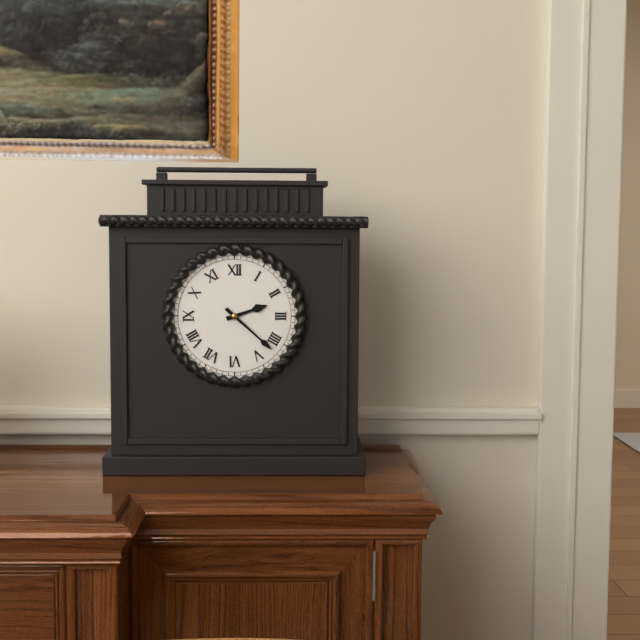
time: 2:22
